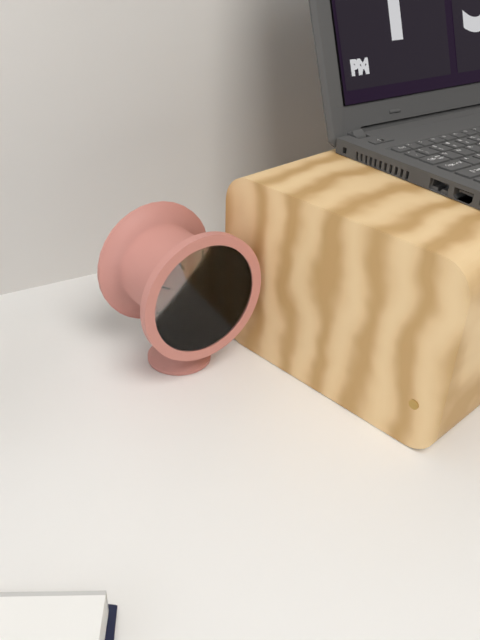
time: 2:38:29
